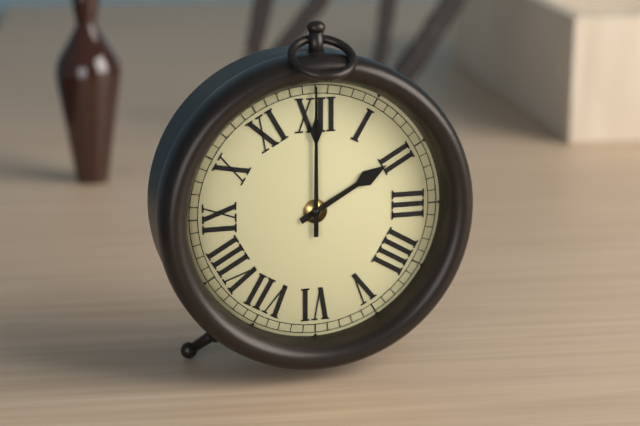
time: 2:00
